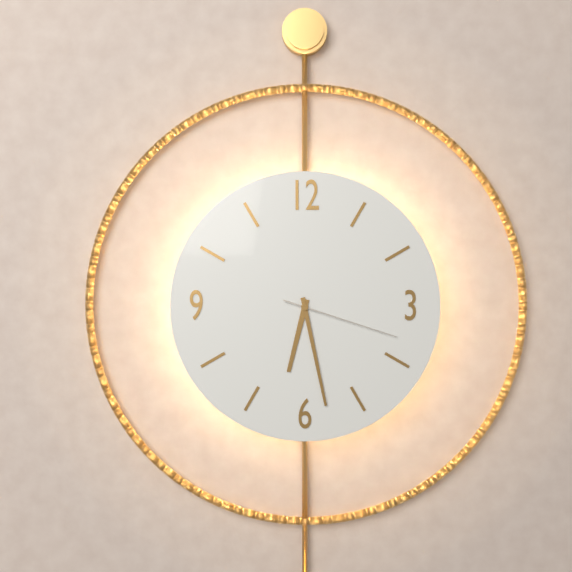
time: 6:28:18
